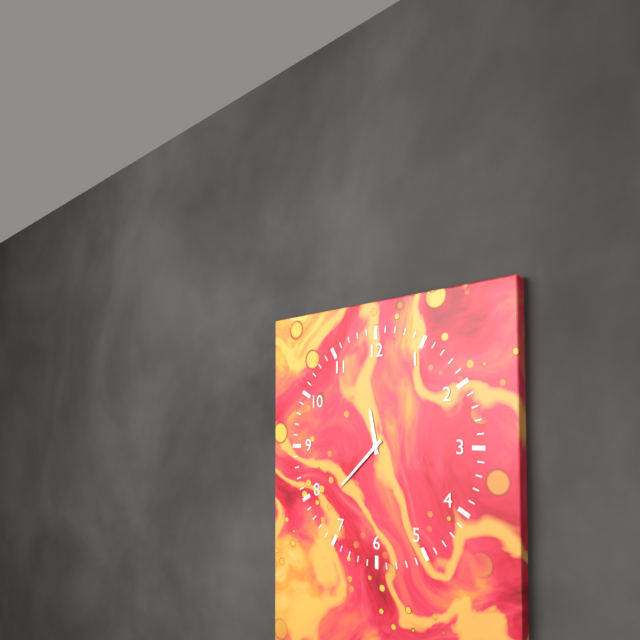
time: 11:38
